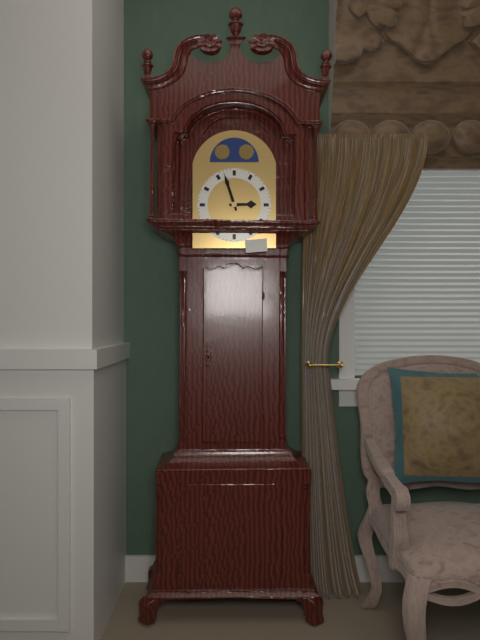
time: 2:57
